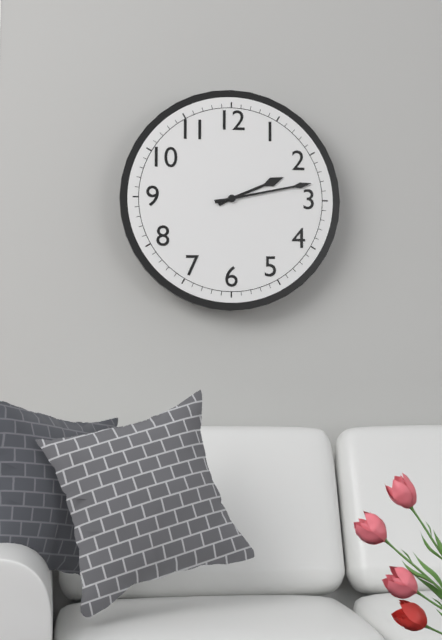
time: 2:13
